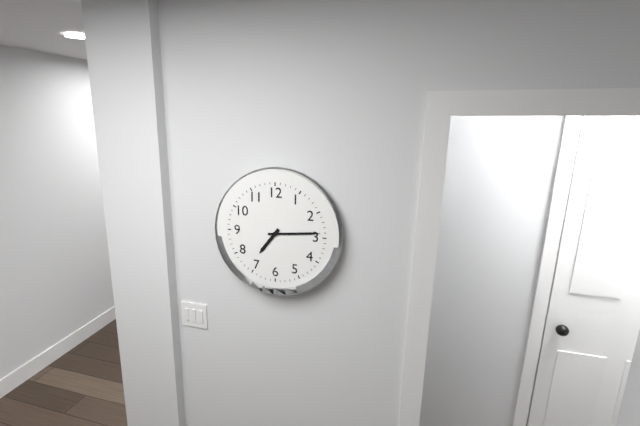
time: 7:14
